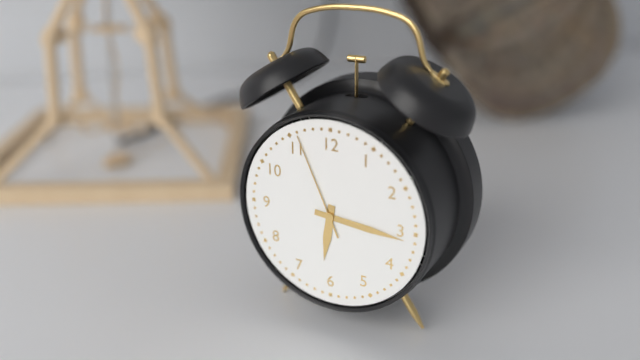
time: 6:16:56
